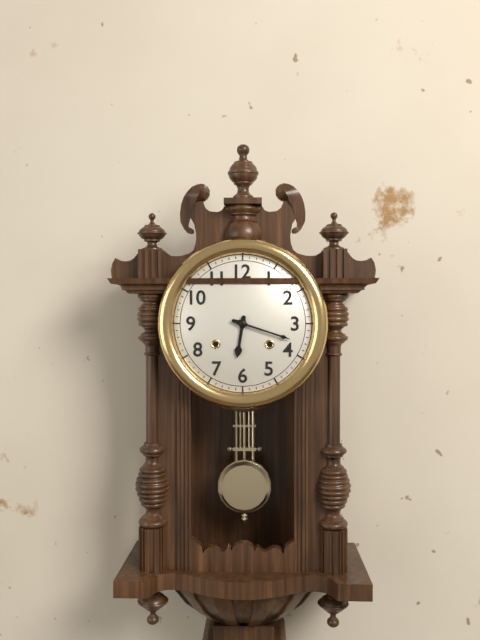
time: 6:18
